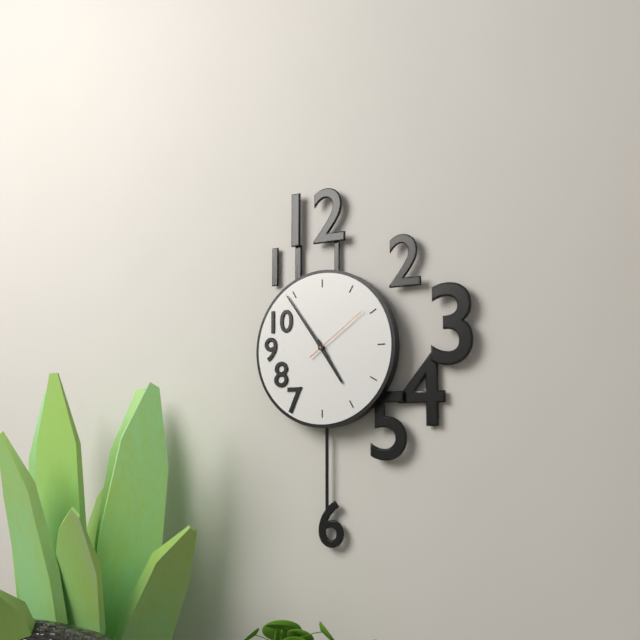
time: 4:54:09
